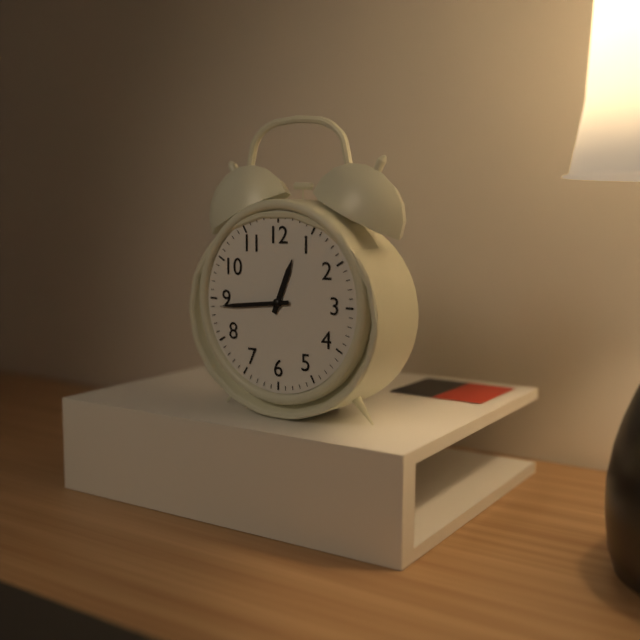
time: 12:44
